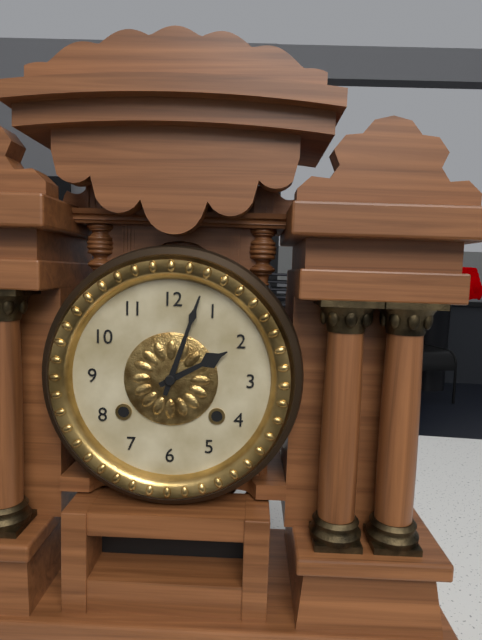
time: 2:03
